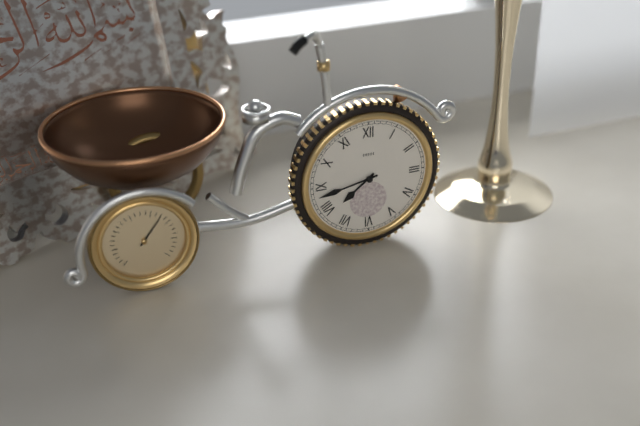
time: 7:43
